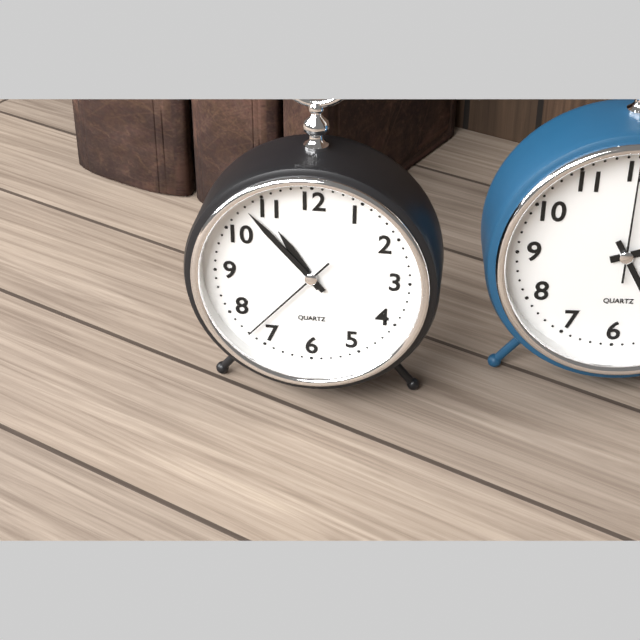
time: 10:53:37
